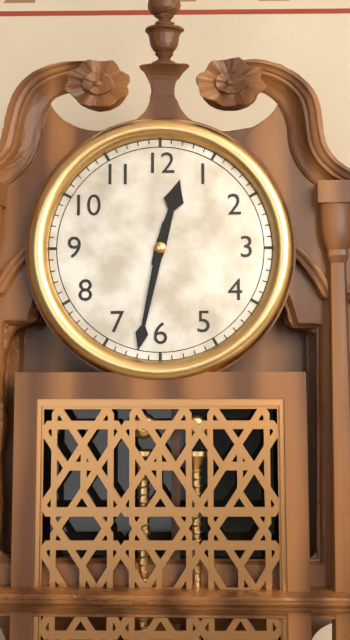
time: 12:32
